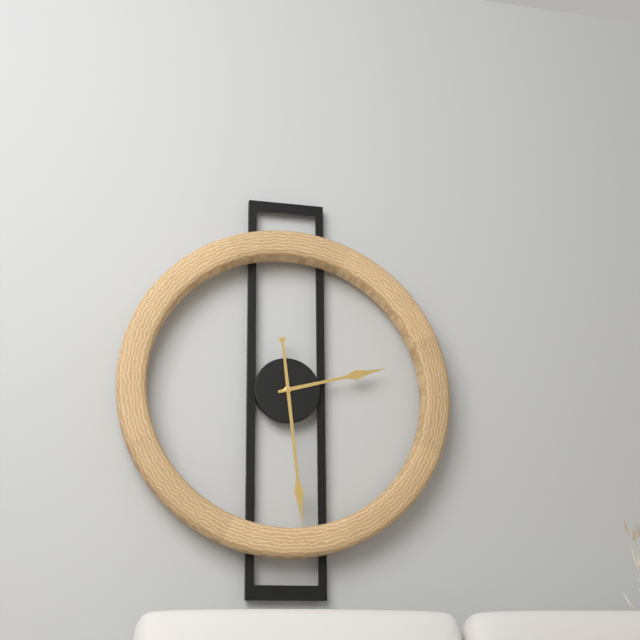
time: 2:29
